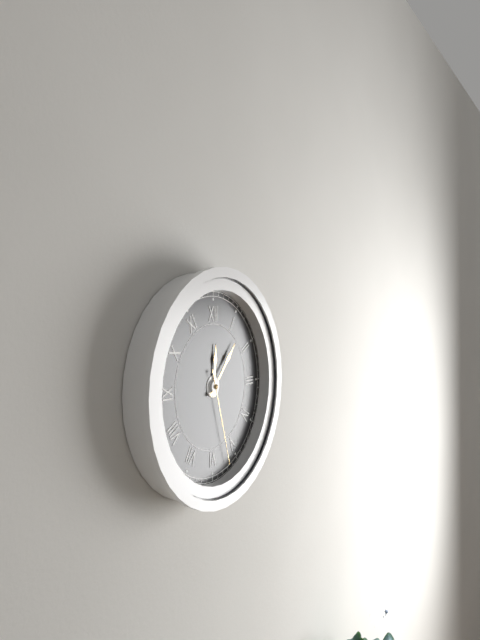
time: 12:07:27
